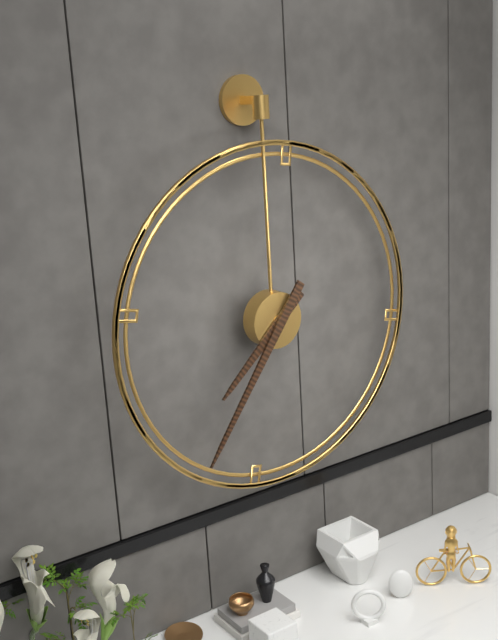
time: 7:36
